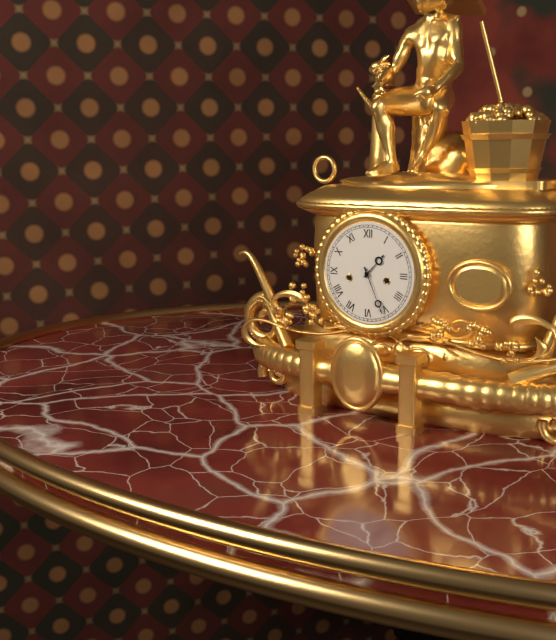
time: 1:26
